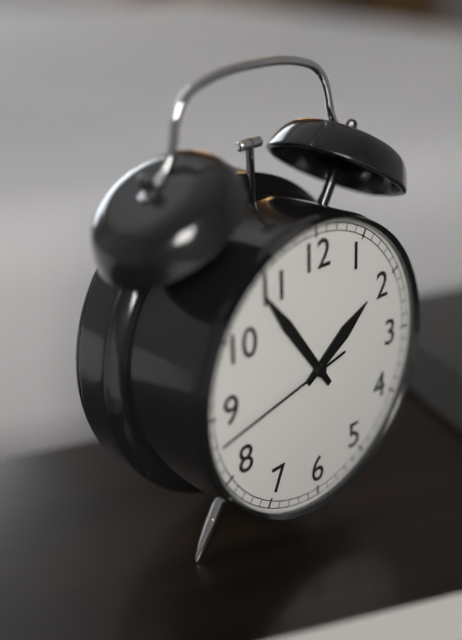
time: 1:54:43
